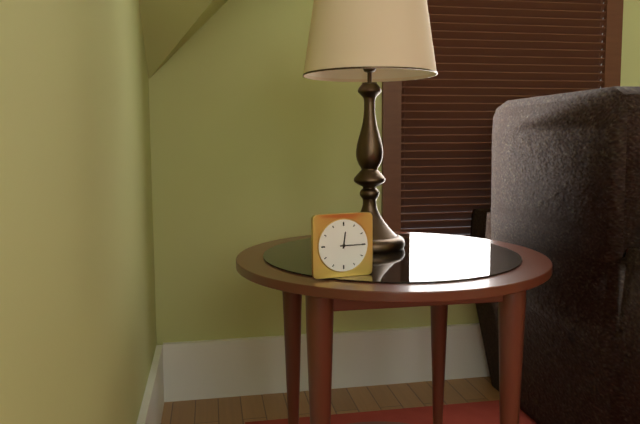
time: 12:15
